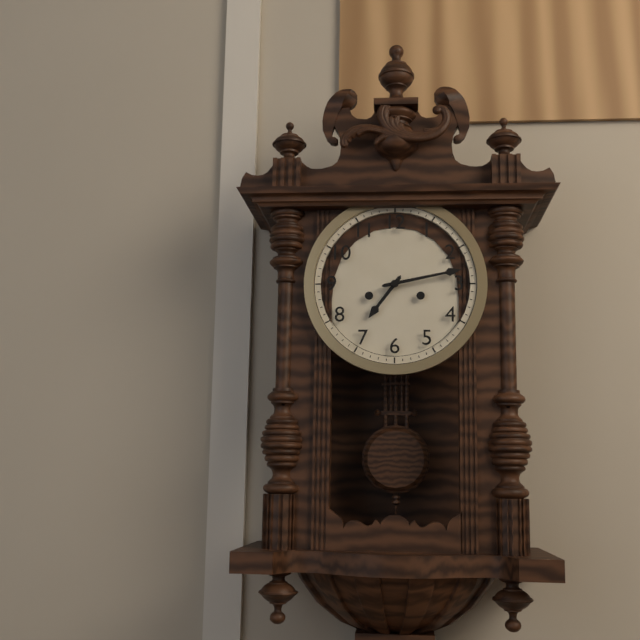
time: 7:13
